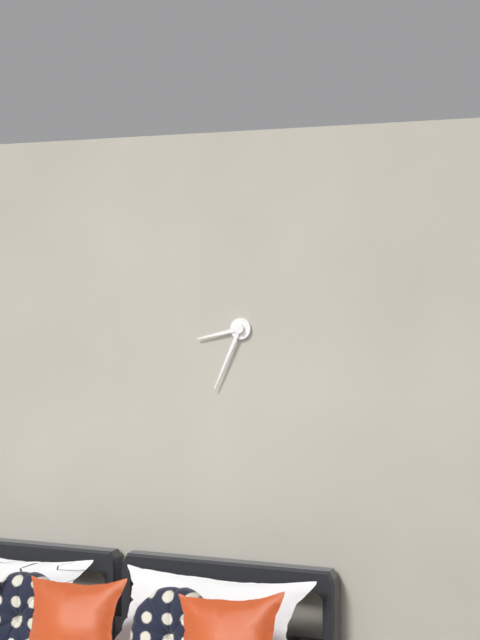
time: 8:34
